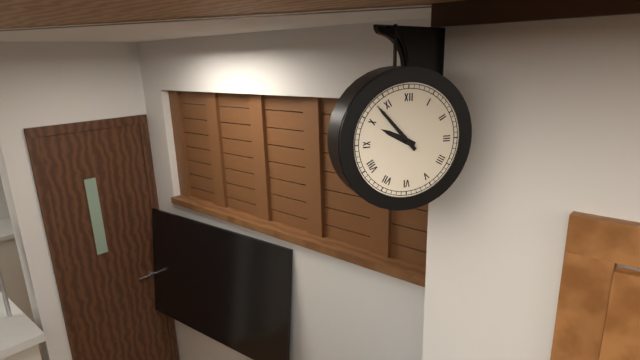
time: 9:53
